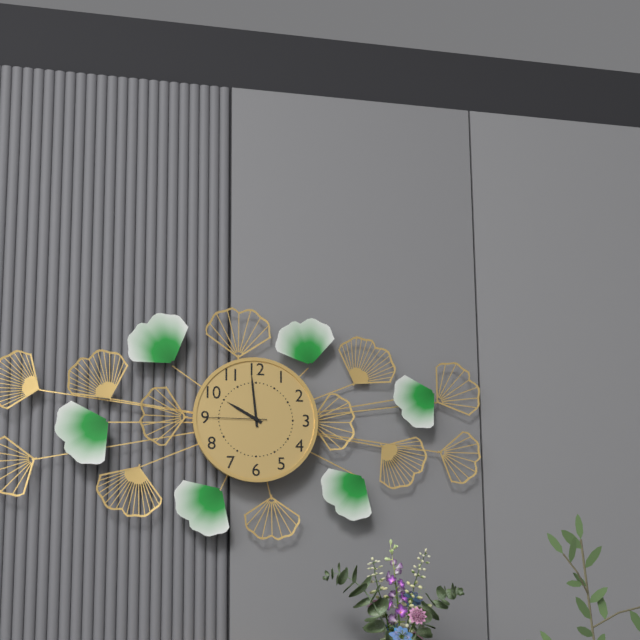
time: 9:59:45
